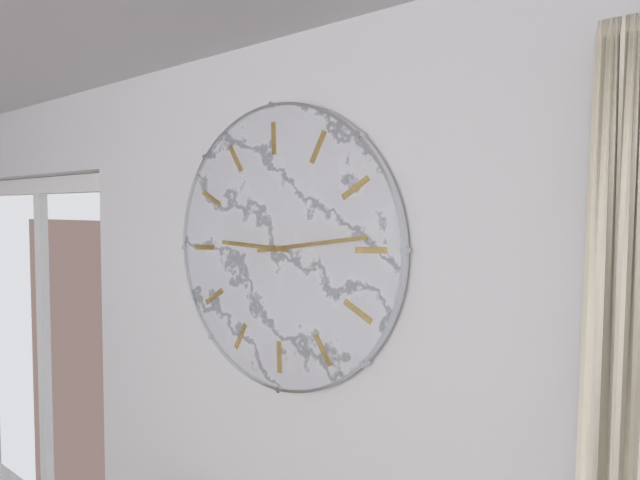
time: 8:09
